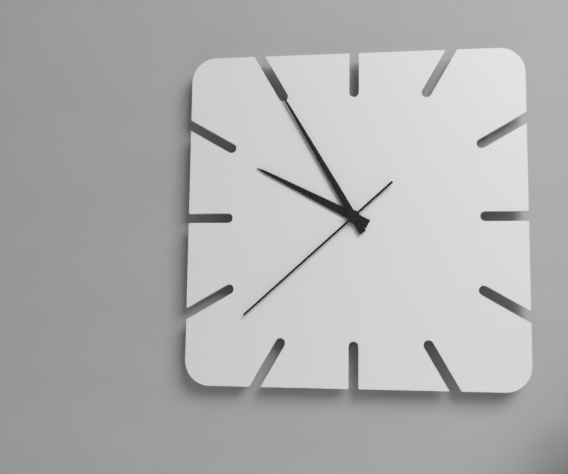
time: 9:55:38
